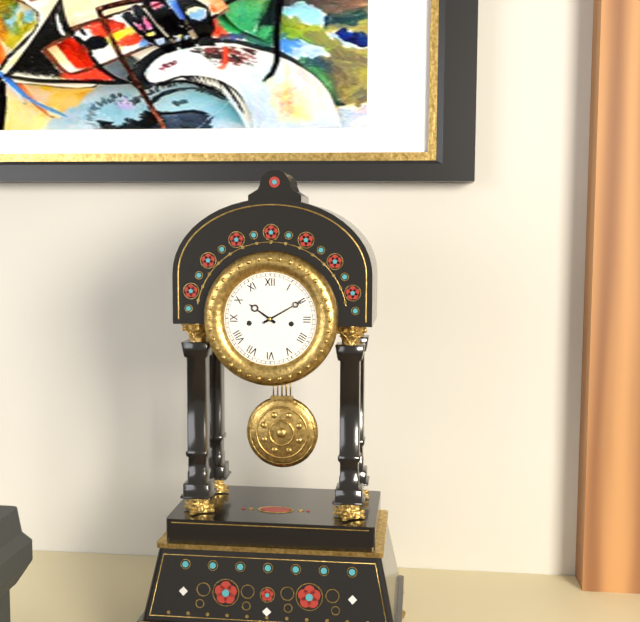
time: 10:10
